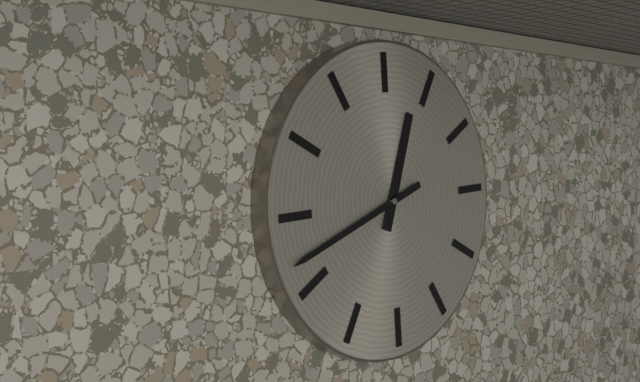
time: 12:42
